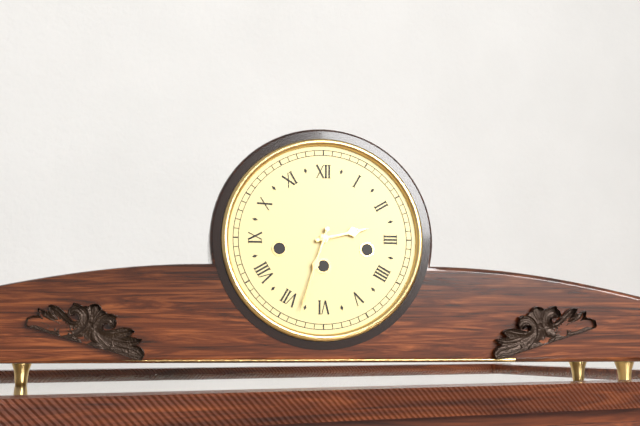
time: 2:33
